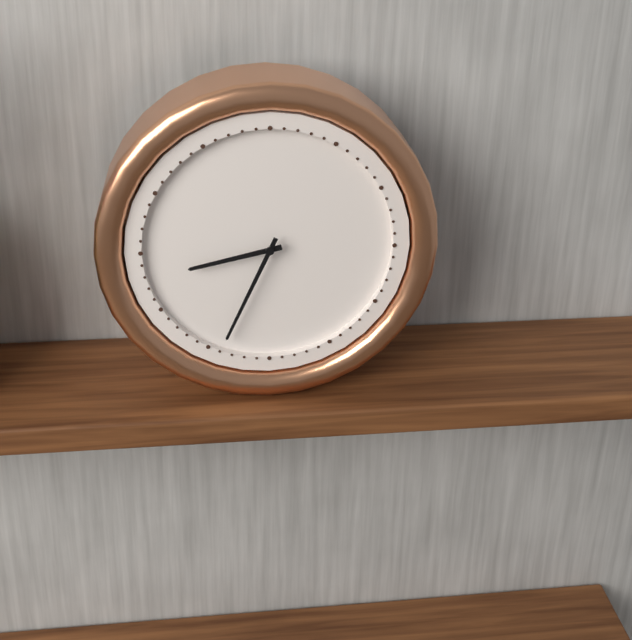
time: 8:34
